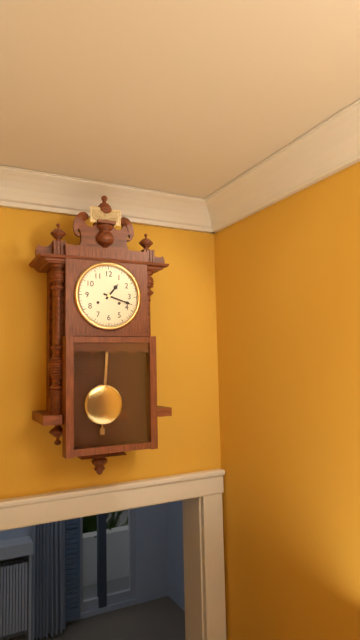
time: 1:18
